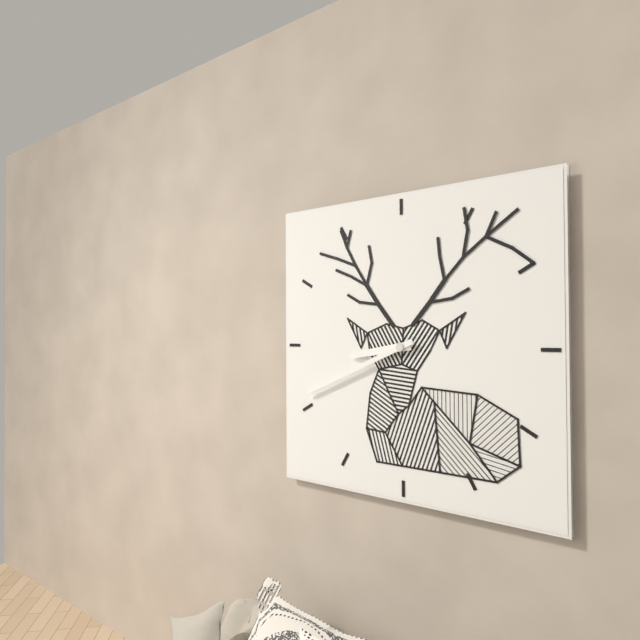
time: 8:41
